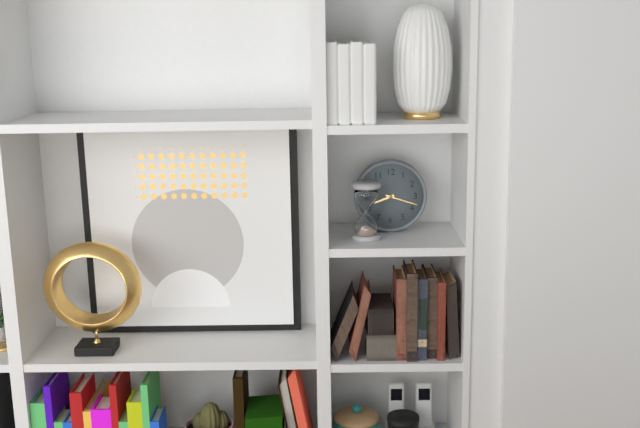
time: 8:18
